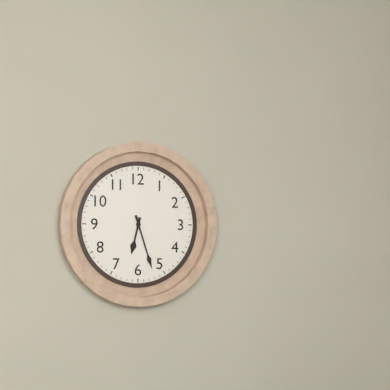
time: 6:27
